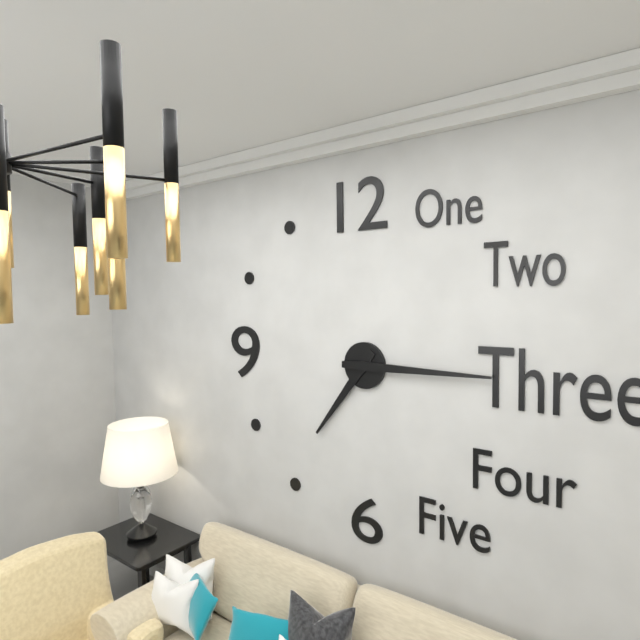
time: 7:15
